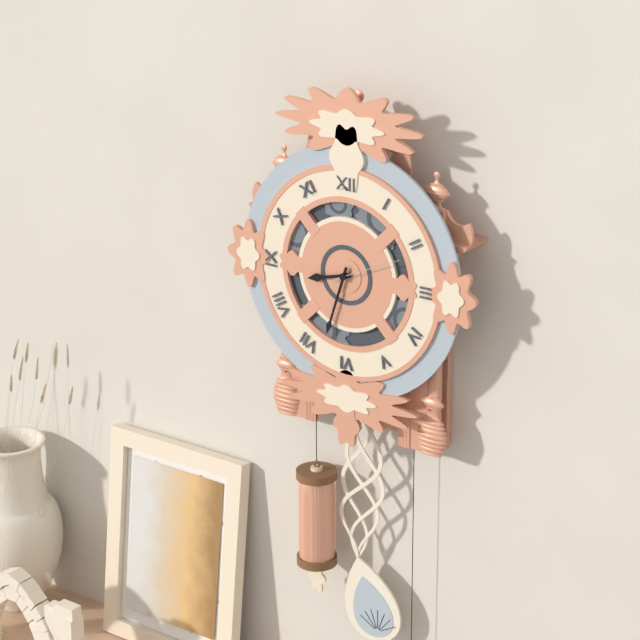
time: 8:33:11
